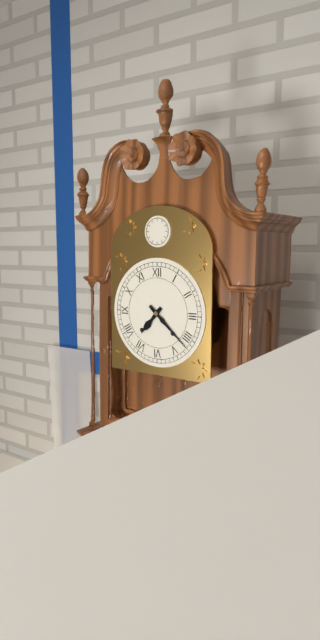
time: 7:22
